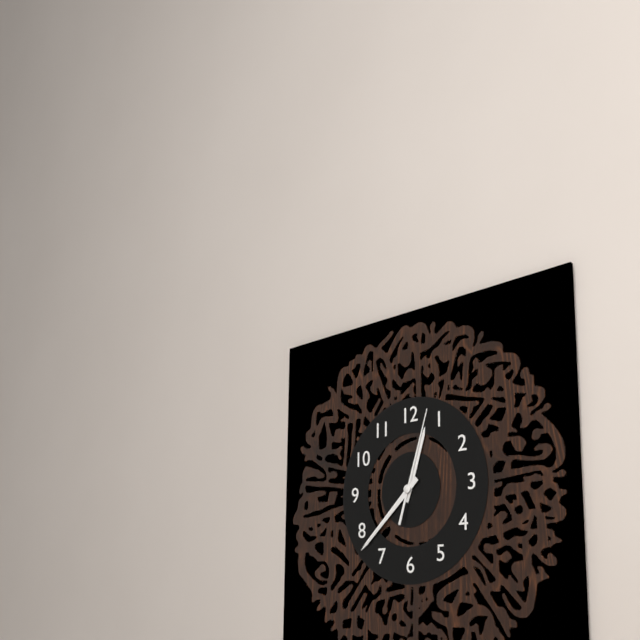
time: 12:38:03
